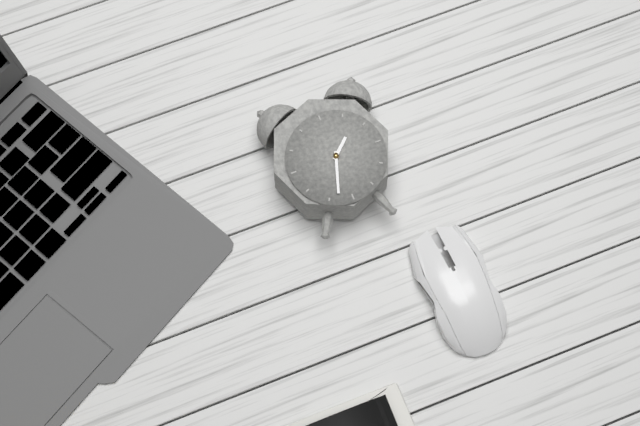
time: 1:33
